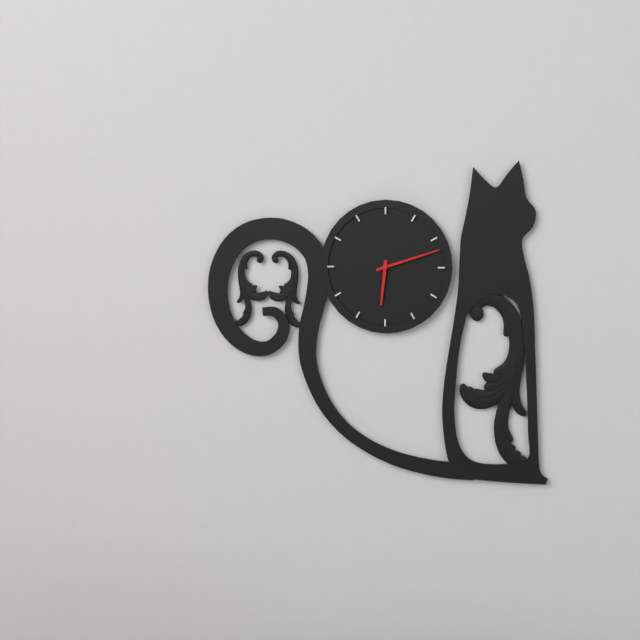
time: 6:12
